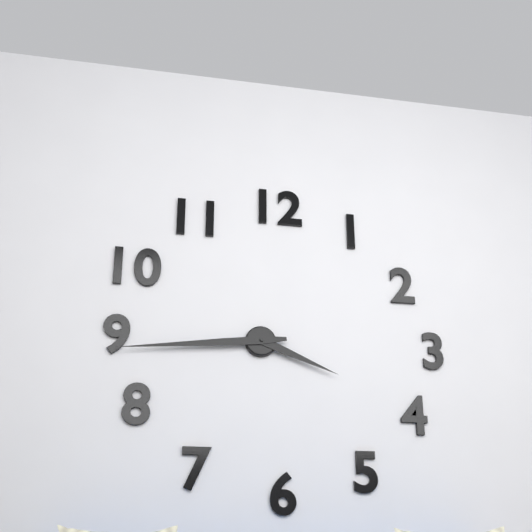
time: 3:44
